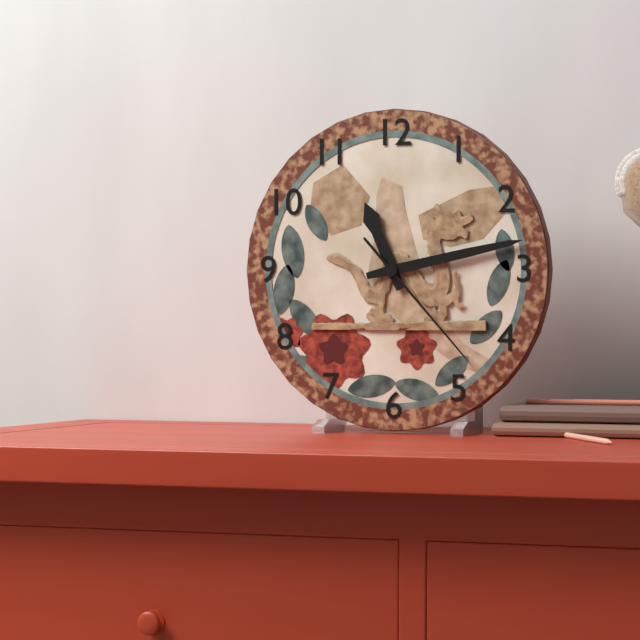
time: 11:13:23
